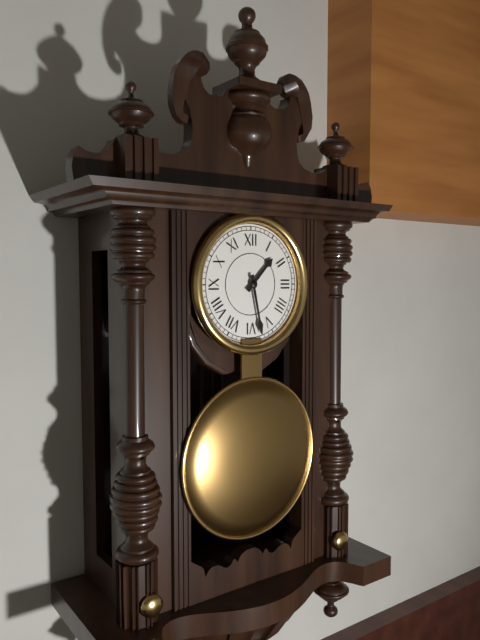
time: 1:28
